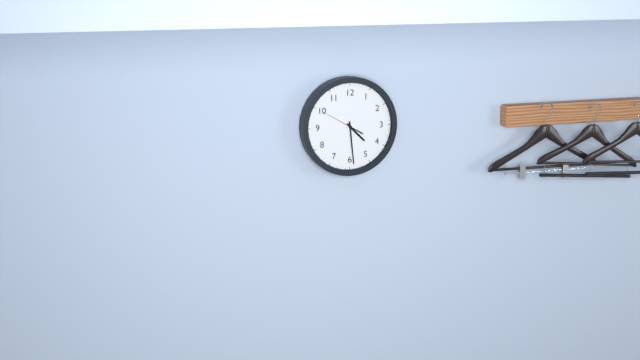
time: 4:29
